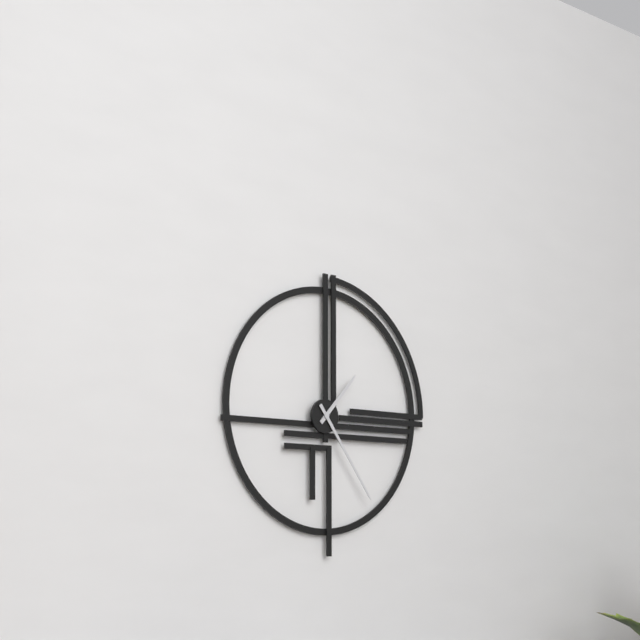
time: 1:24
